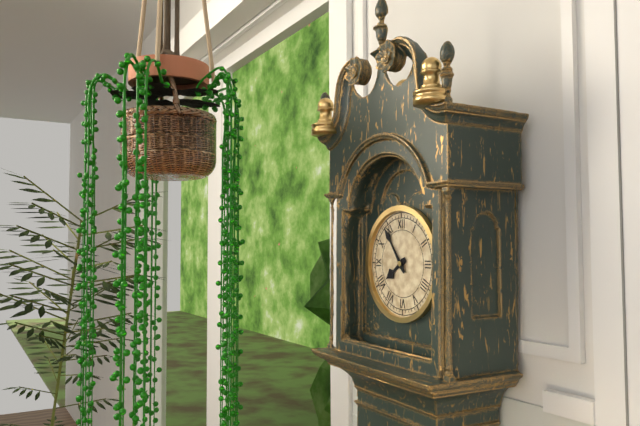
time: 7:54
